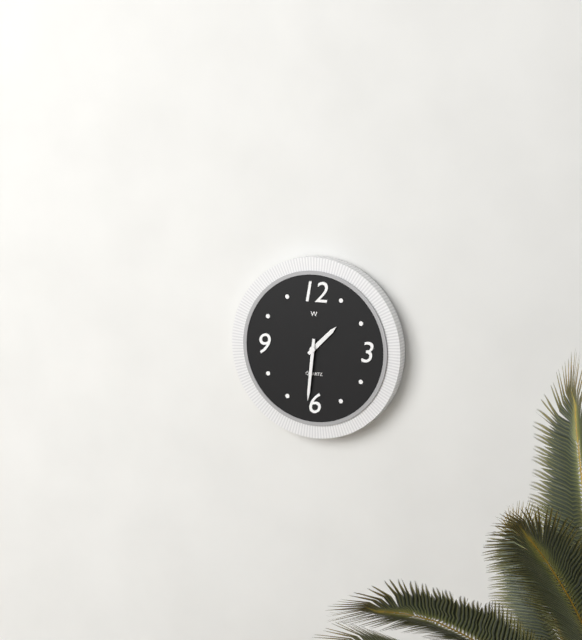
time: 1:31
